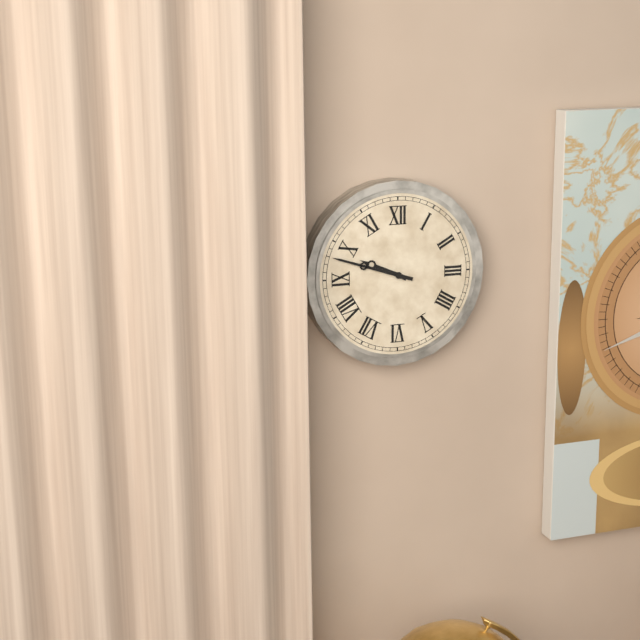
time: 9:48
